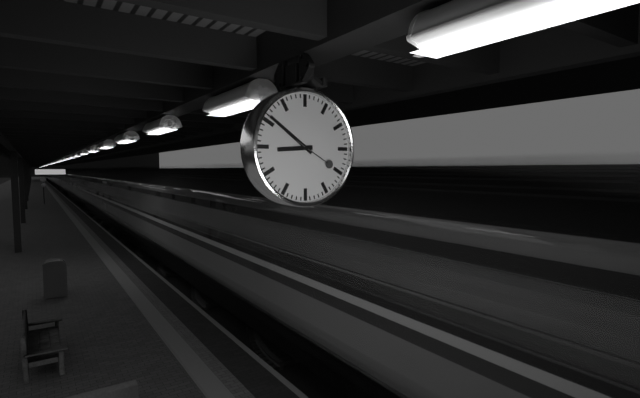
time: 8:51
